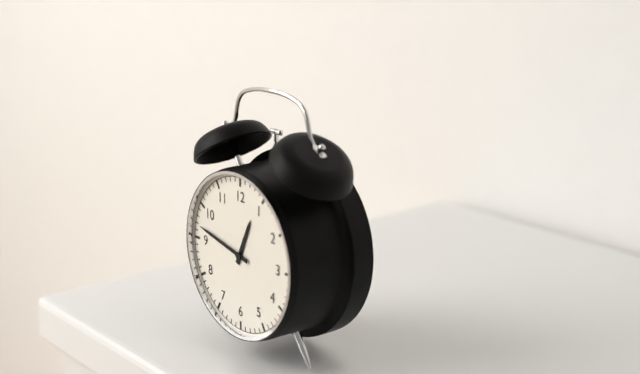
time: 12:47
